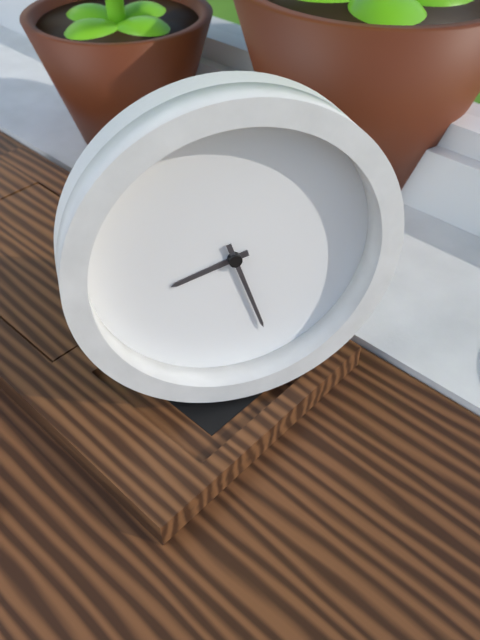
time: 8:27
